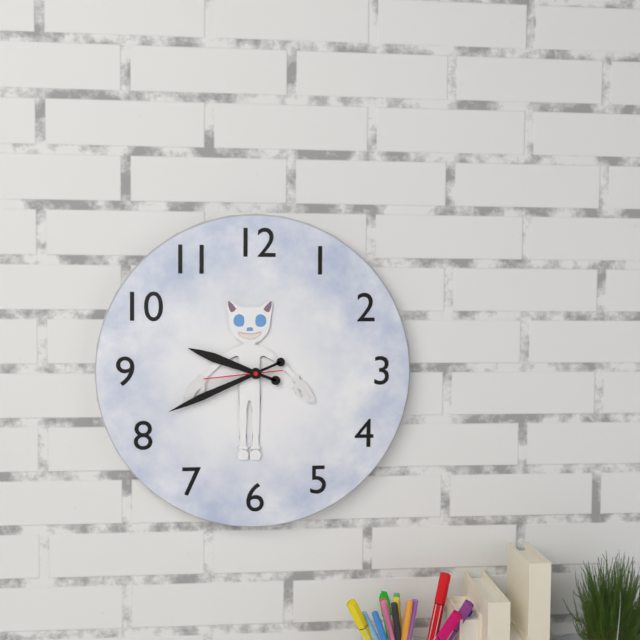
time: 9:41:44
